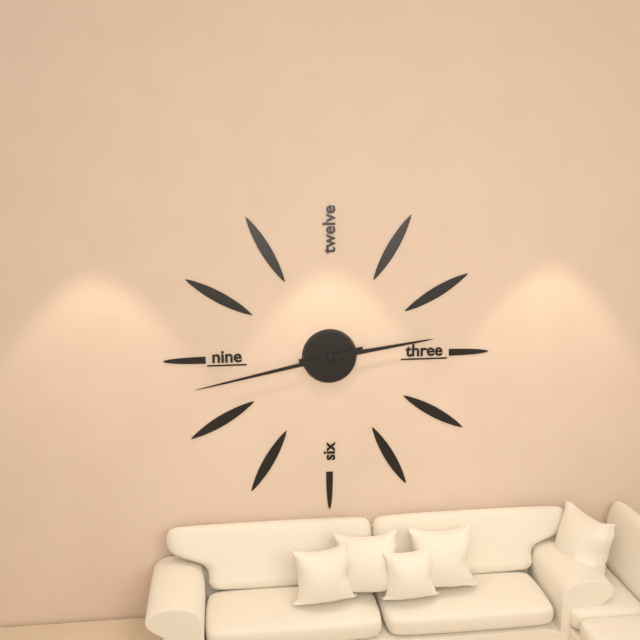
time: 2:43
